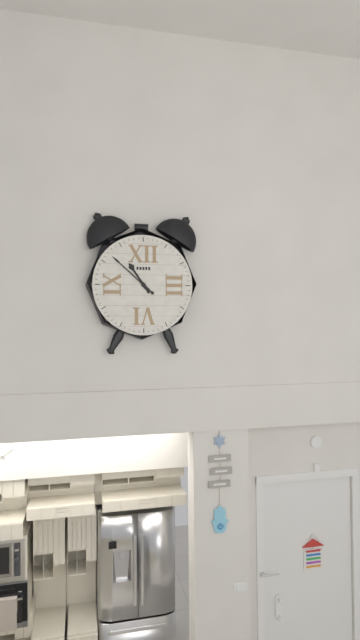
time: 10:52
